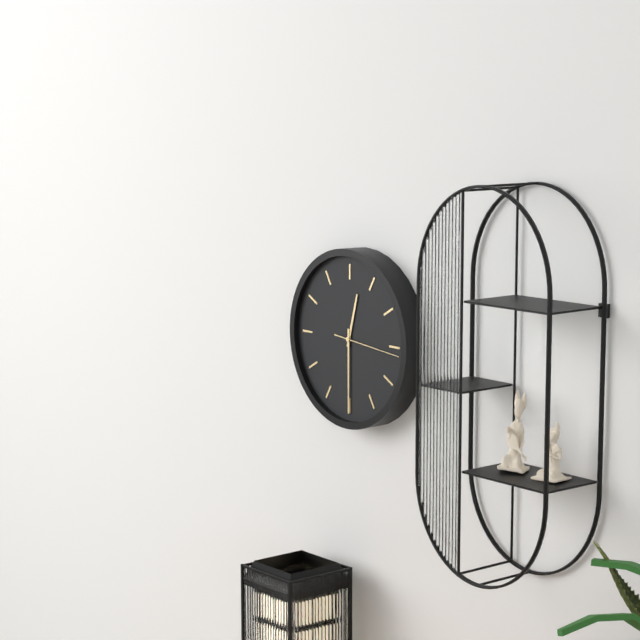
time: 12:30:16
